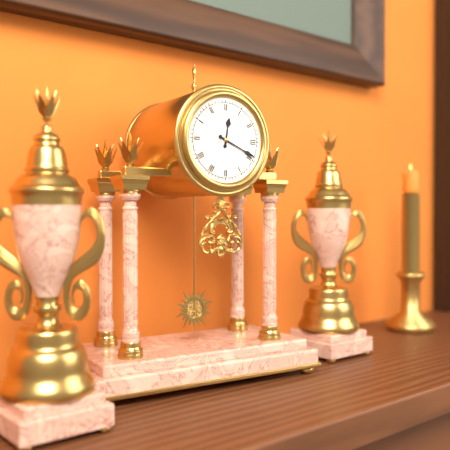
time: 12:19
